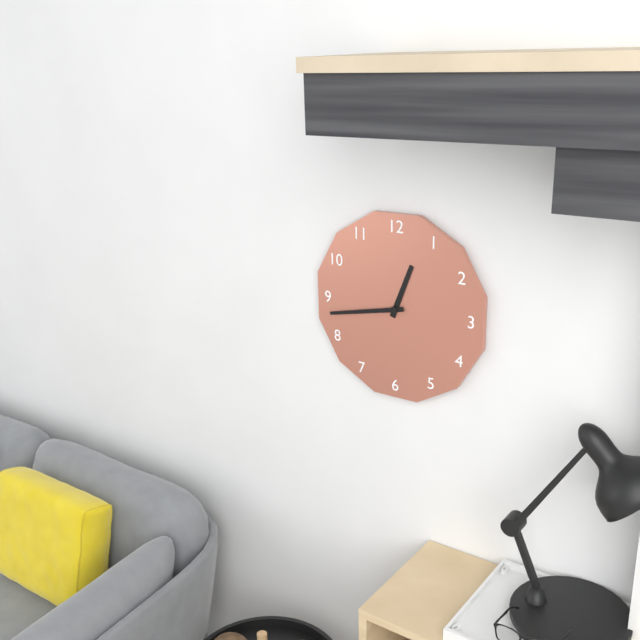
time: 12:43
